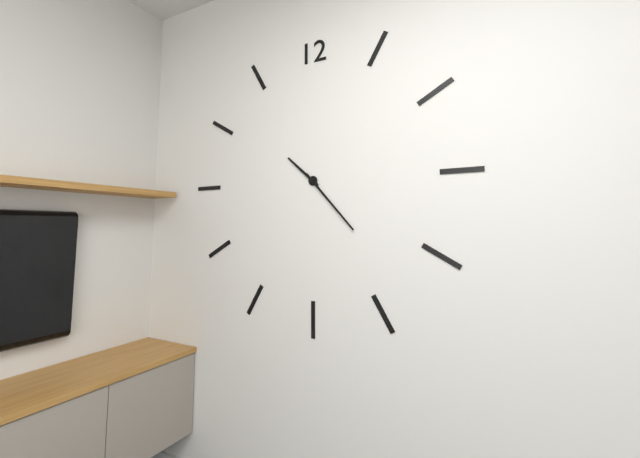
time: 10:23
